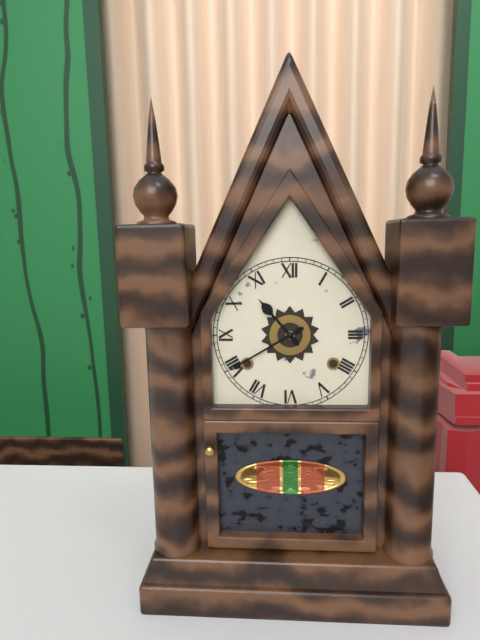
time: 10:40
